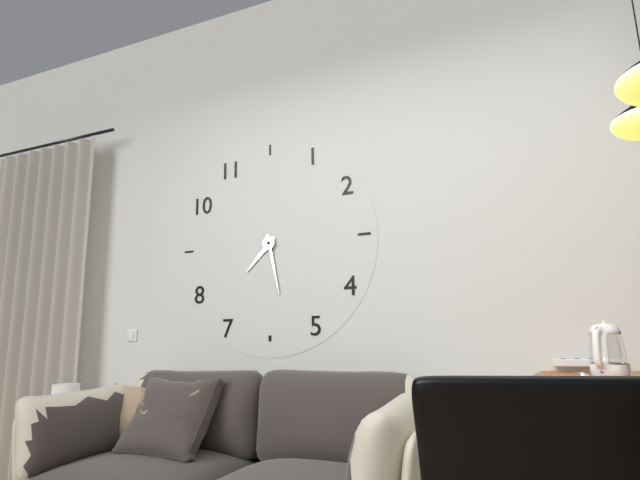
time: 7:28
